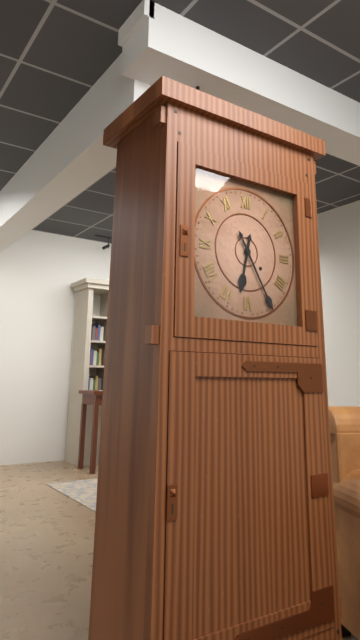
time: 6:25
